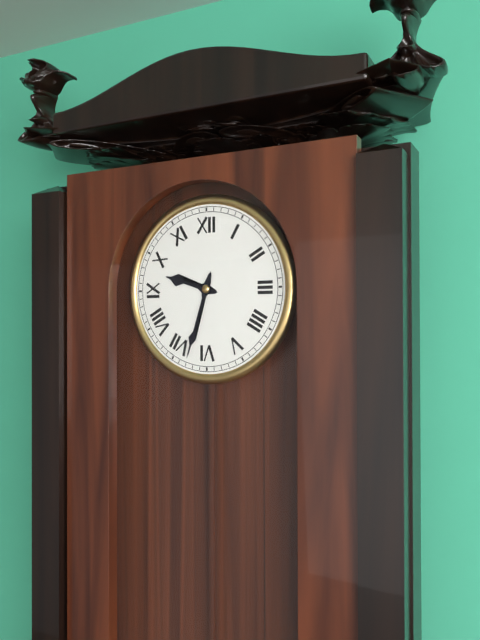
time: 9:33
